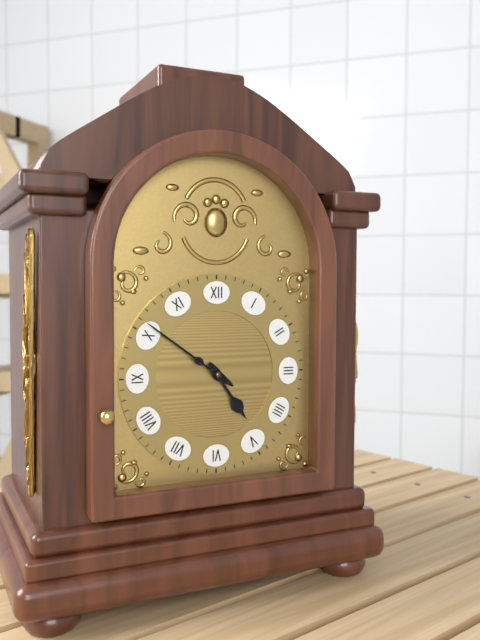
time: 4:51
